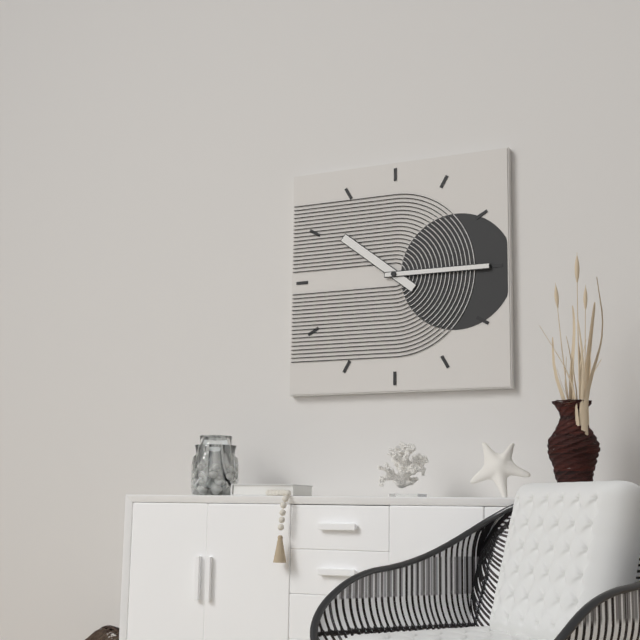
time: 10:15
